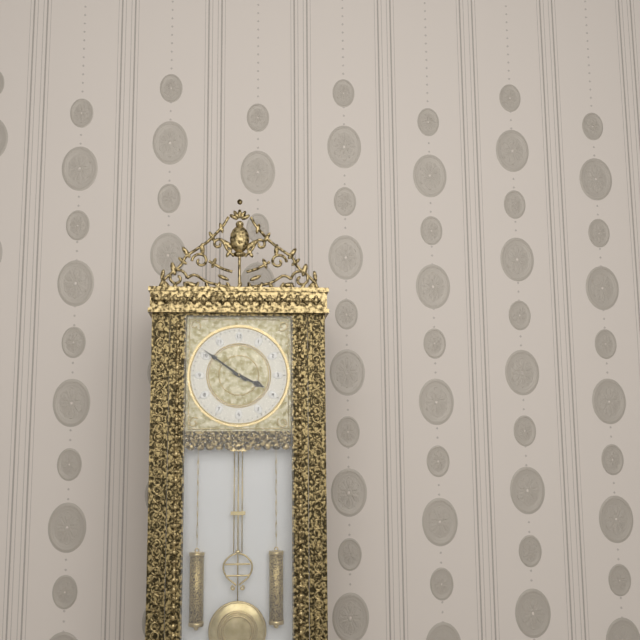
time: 3:51
